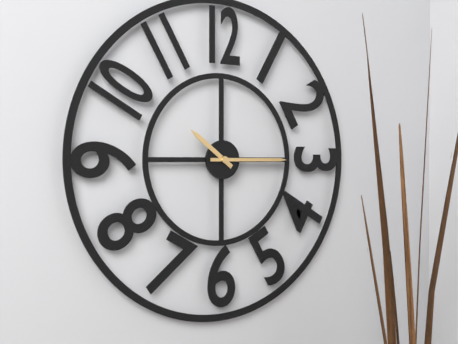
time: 10:15
